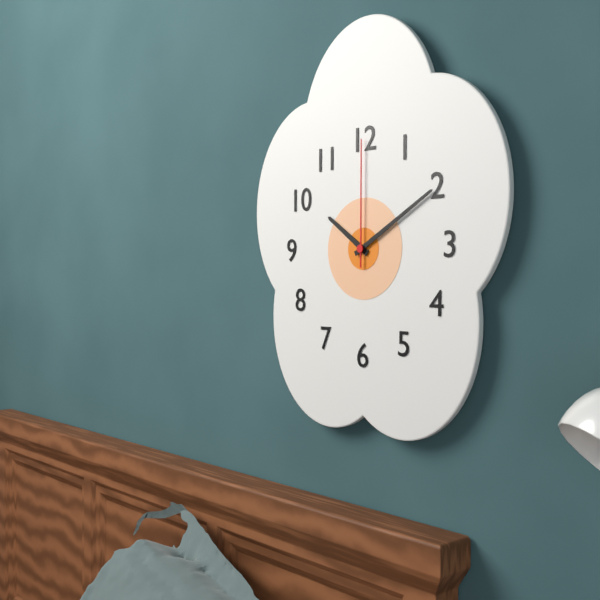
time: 10:10:00
